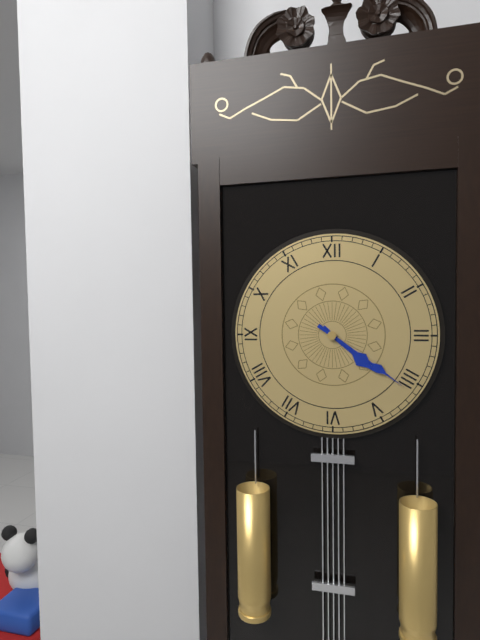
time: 4:21
